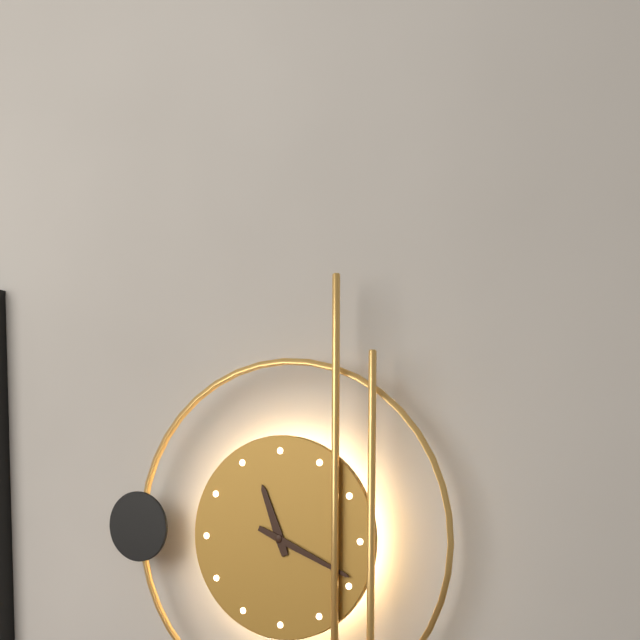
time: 11:19
